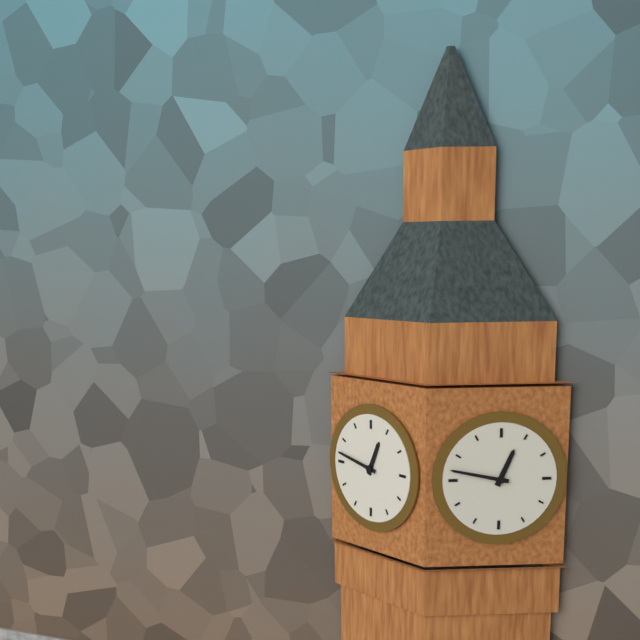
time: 12:47
